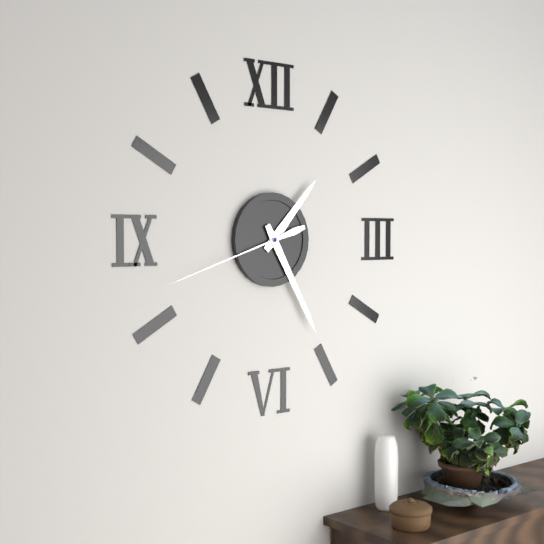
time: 1:25:42
